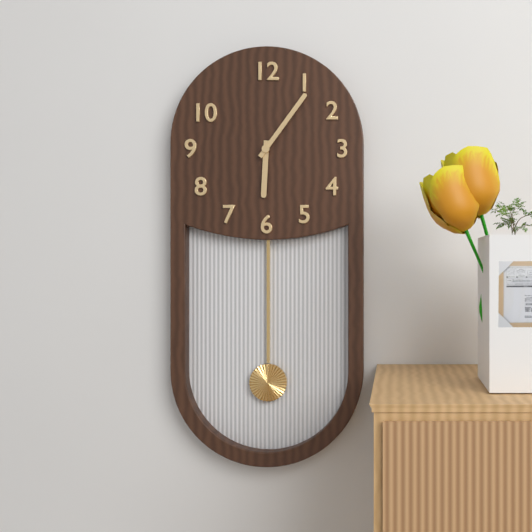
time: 6:06
